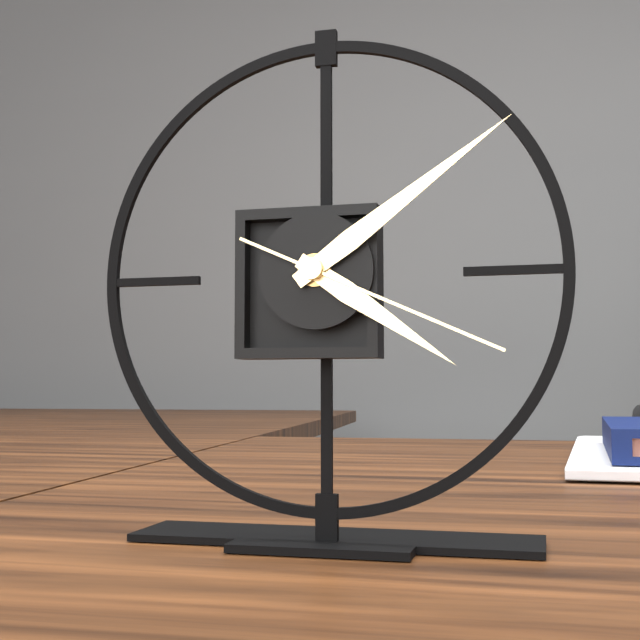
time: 4:09:19
